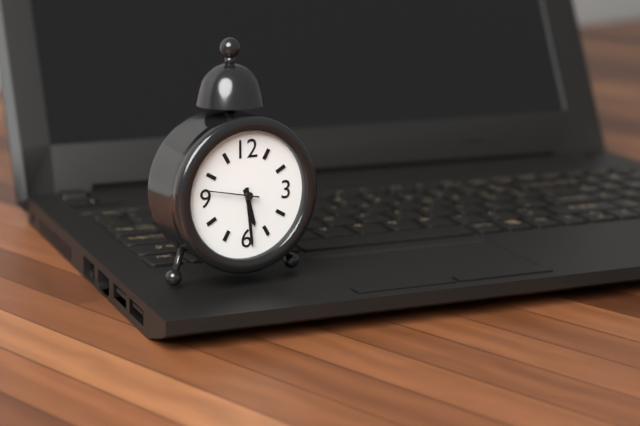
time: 5:29:47
